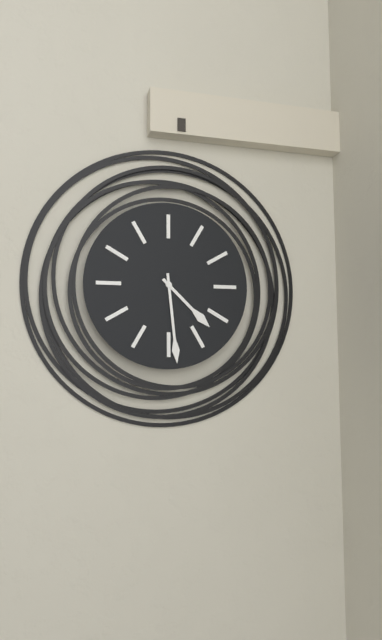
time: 4:29
